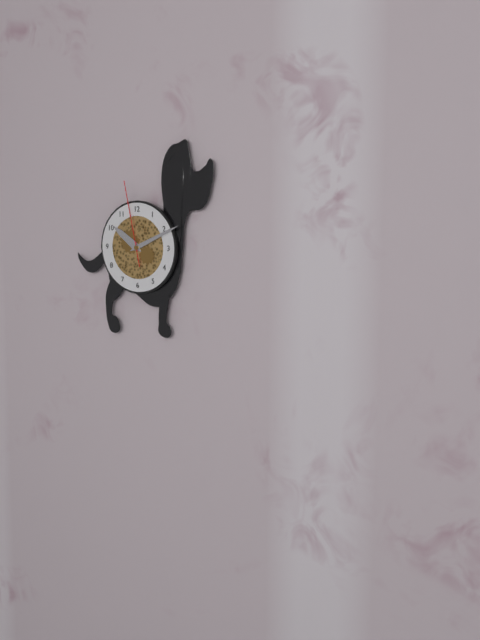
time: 10:11:58
